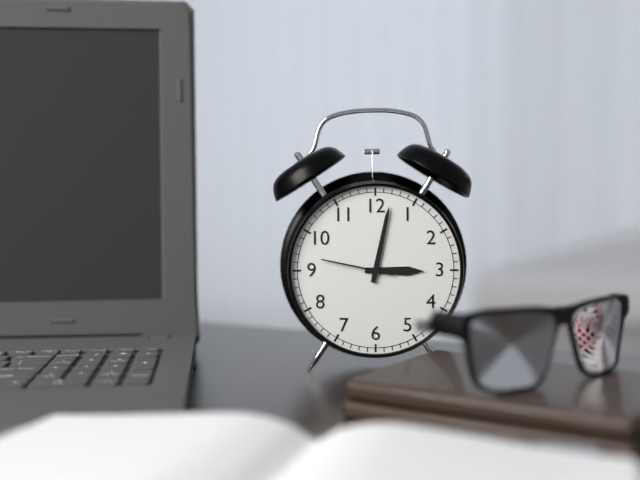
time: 3:02:47
